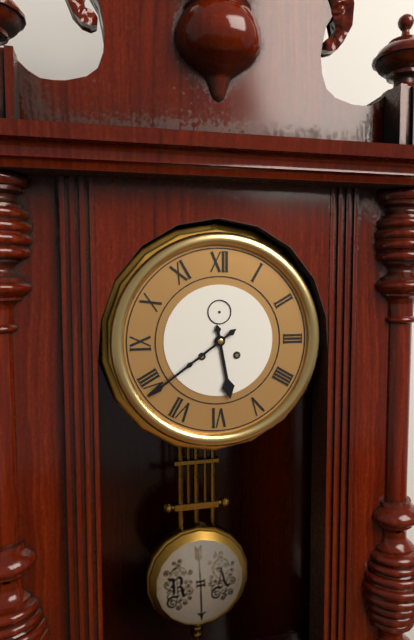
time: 5:39
